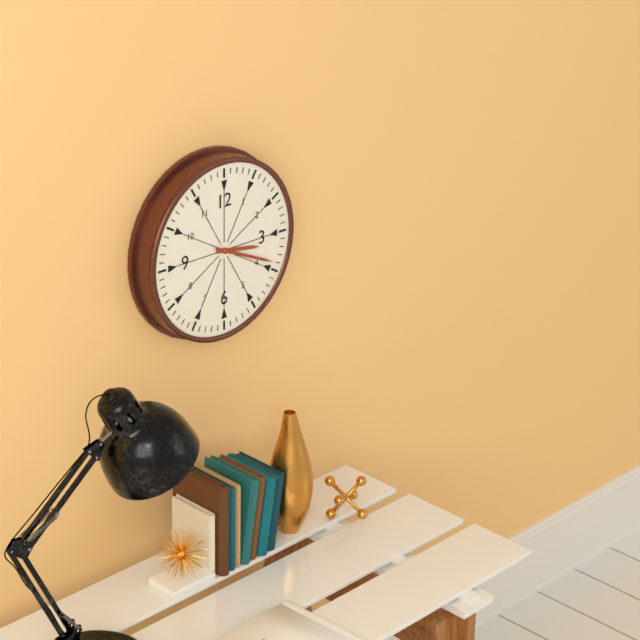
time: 3:19
